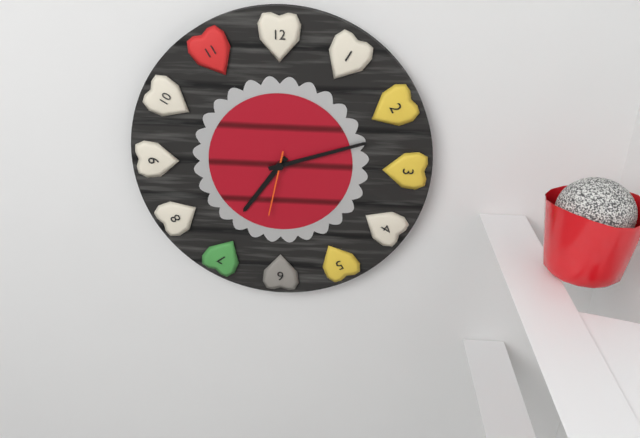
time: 7:12:32
